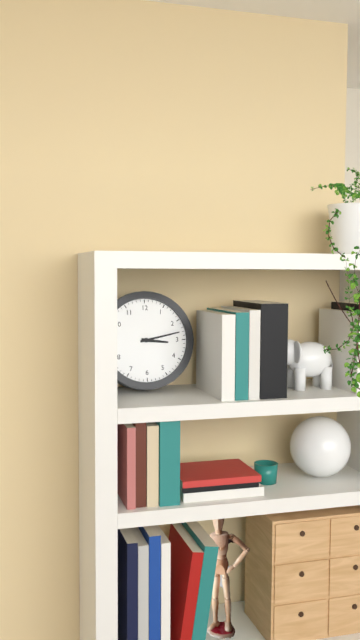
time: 3:13
